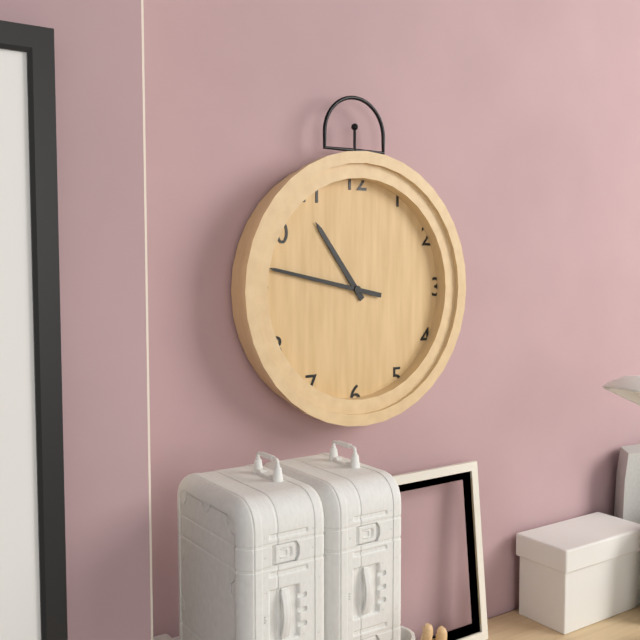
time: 10:47
